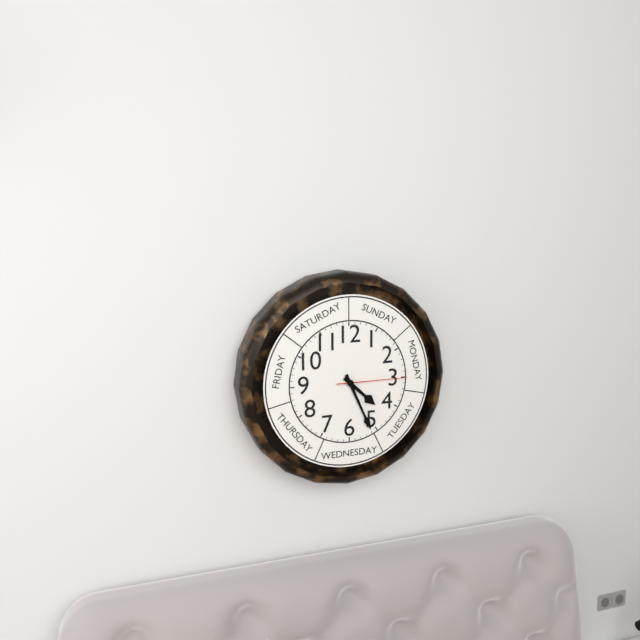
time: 4:26:15
